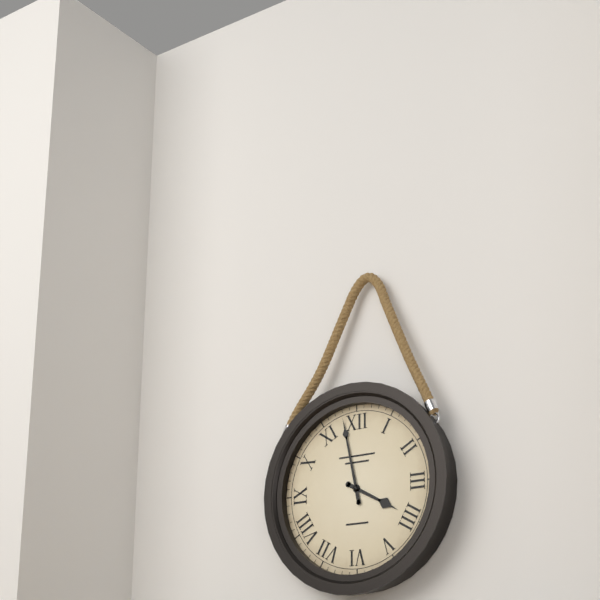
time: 3:58
